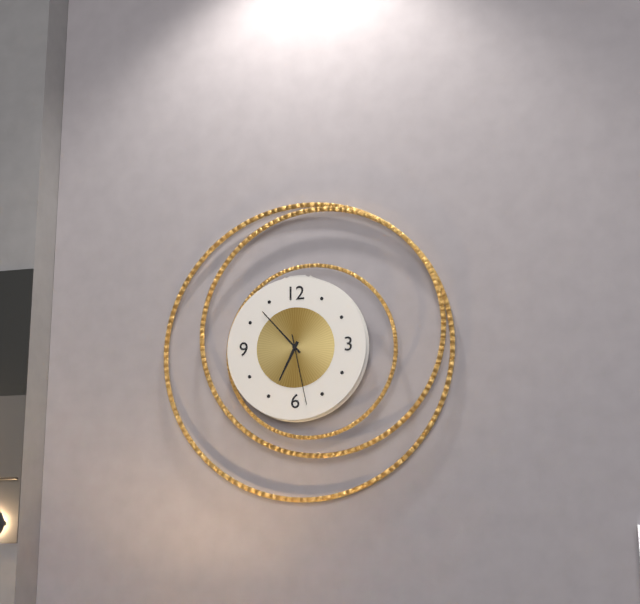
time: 6:53:28
